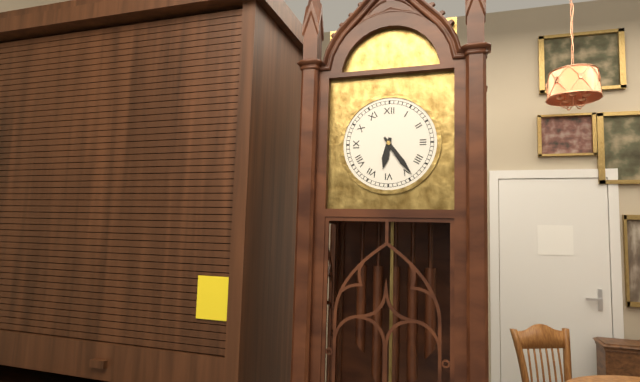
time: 6:24
